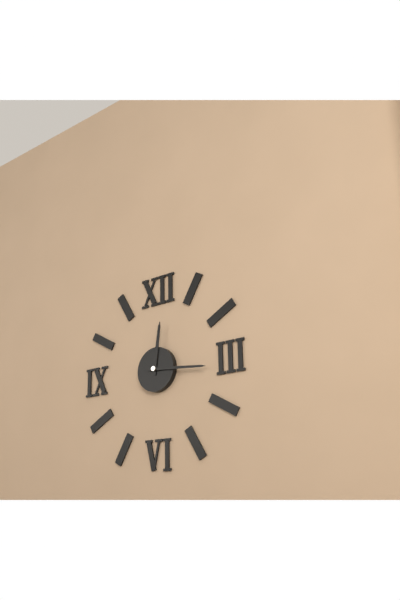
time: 12:16
